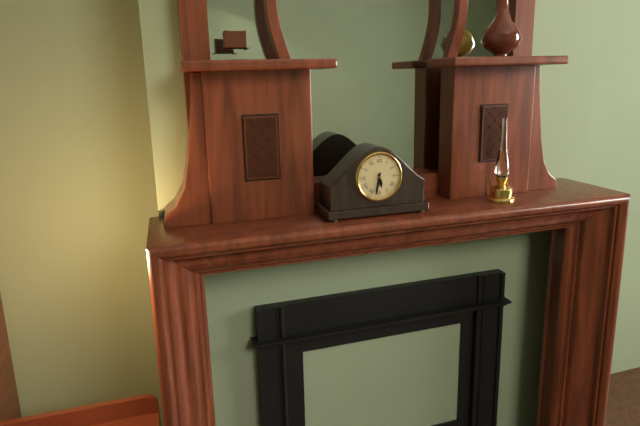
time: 5:32
